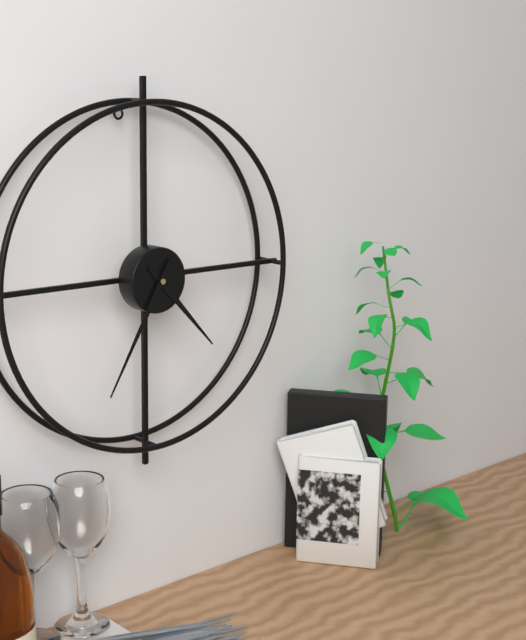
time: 4:35
